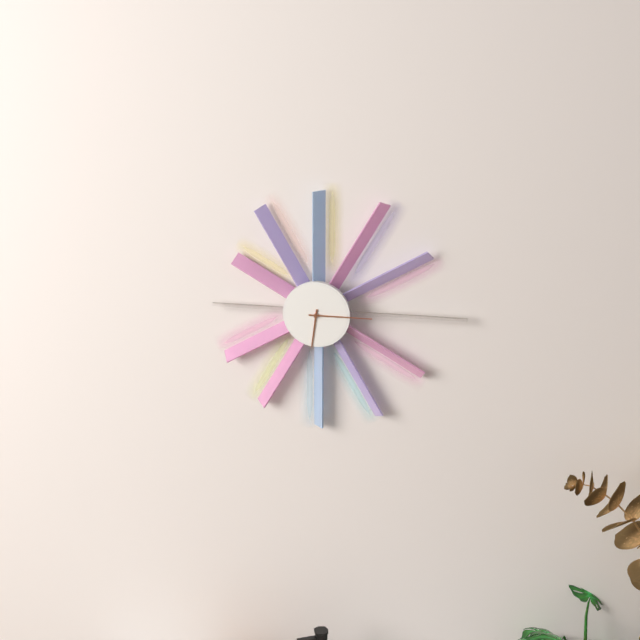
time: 6:15
